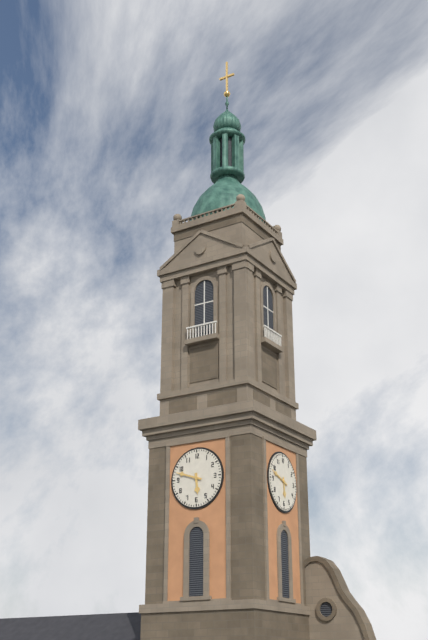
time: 5:48
